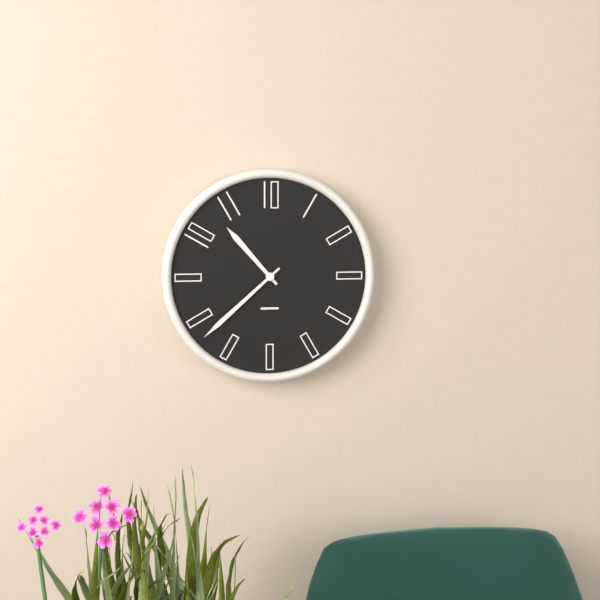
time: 10:38
